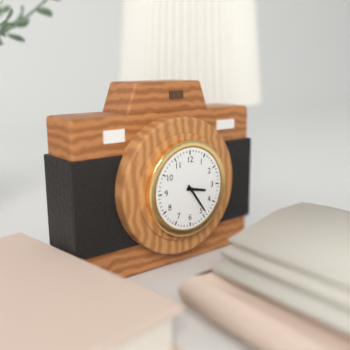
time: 3:24
